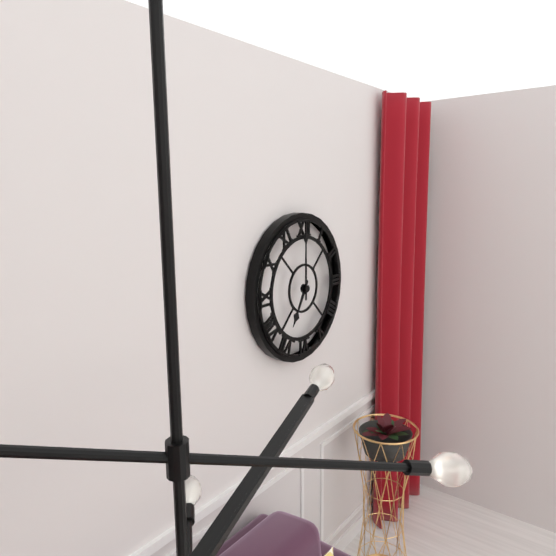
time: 7:00
